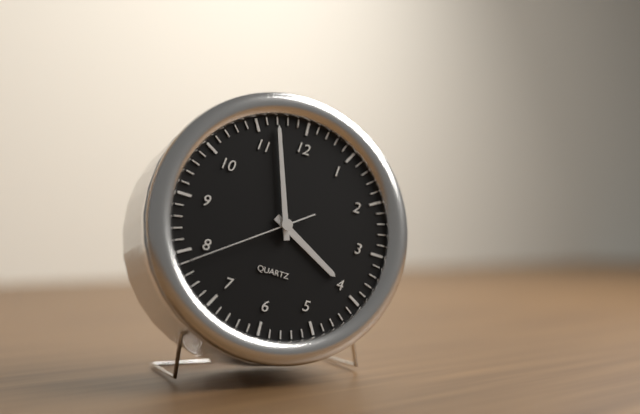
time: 3:57:39
